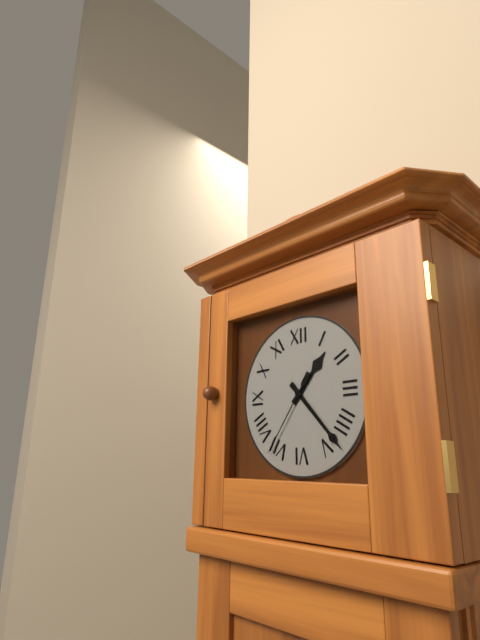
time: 1:23:36
